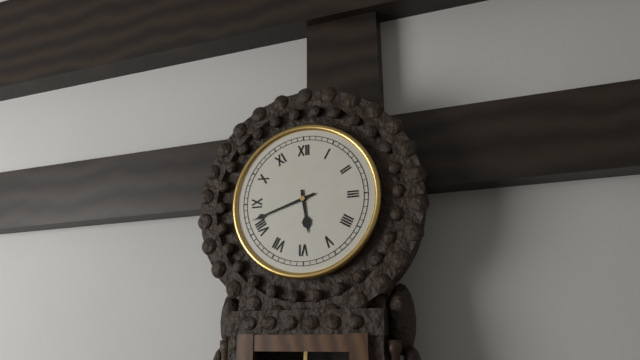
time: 5:42
